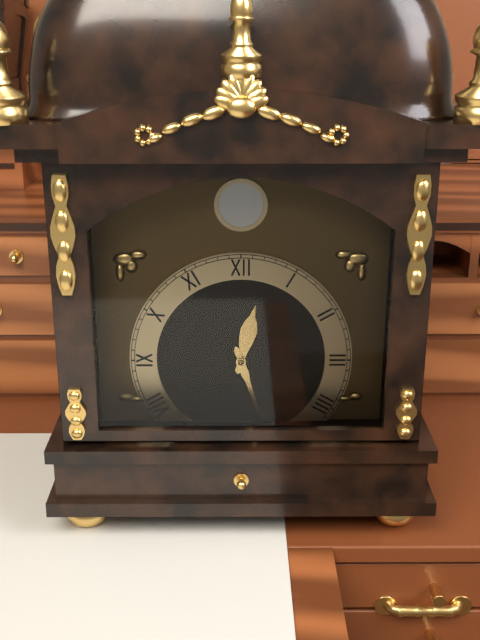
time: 12:27
